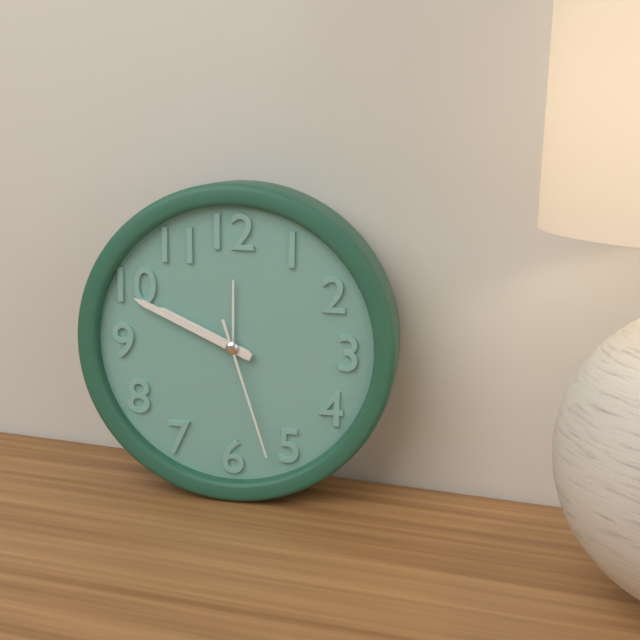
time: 9:49:27
